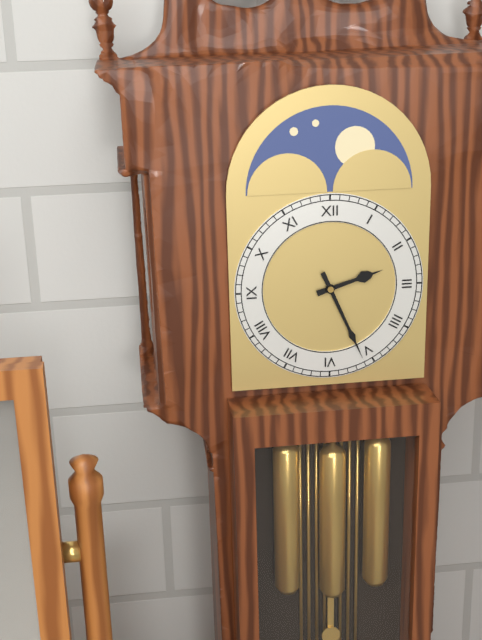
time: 2:26
